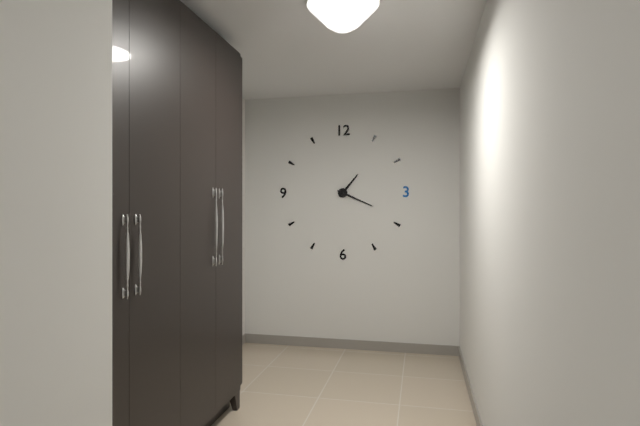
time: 1:19
